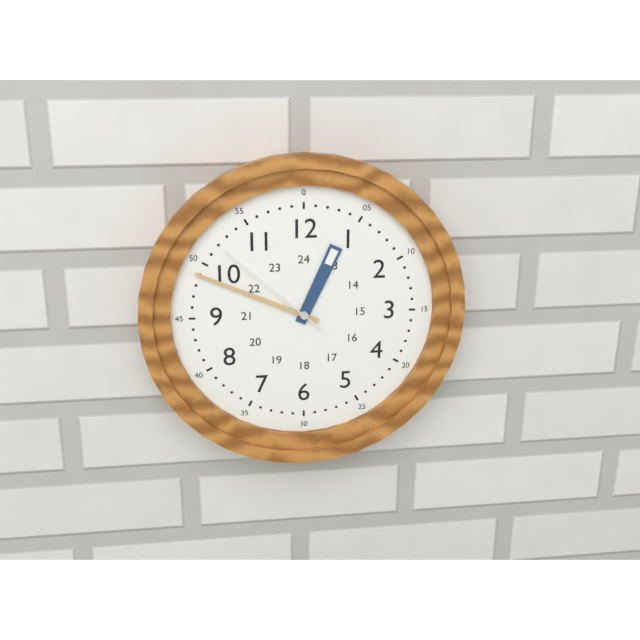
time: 12:49:52
